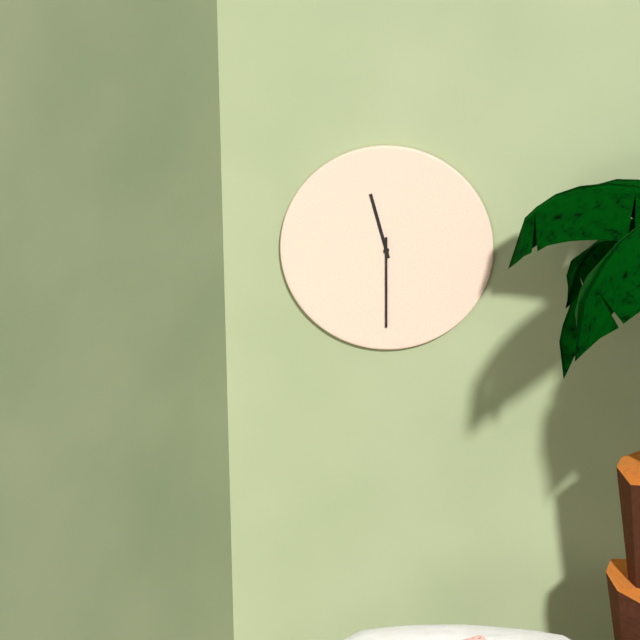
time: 11:30
